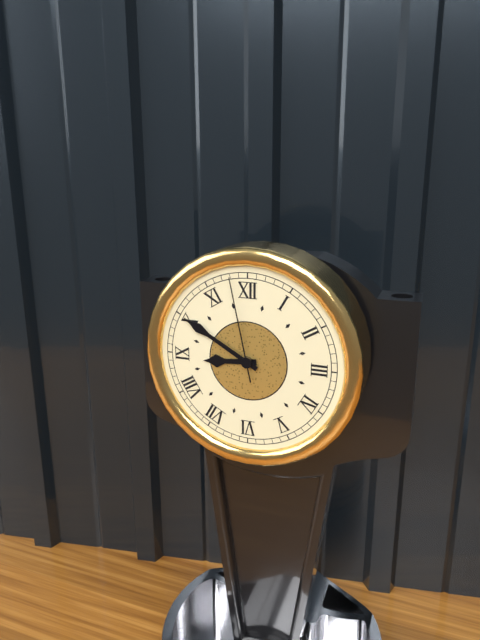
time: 8:50:58
